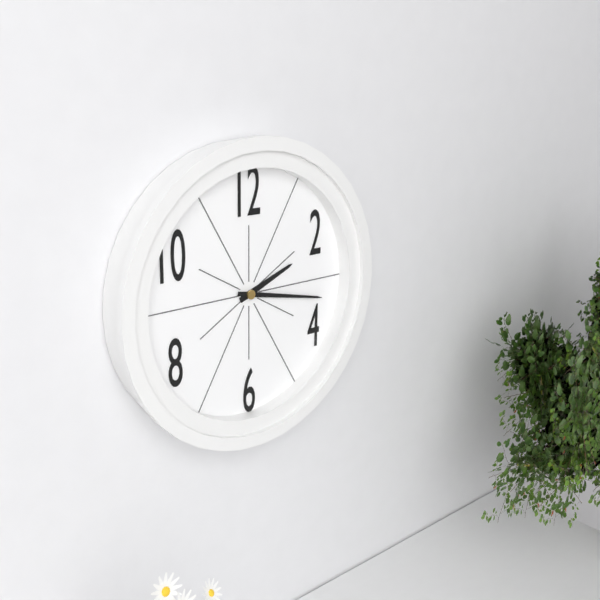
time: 2:17
